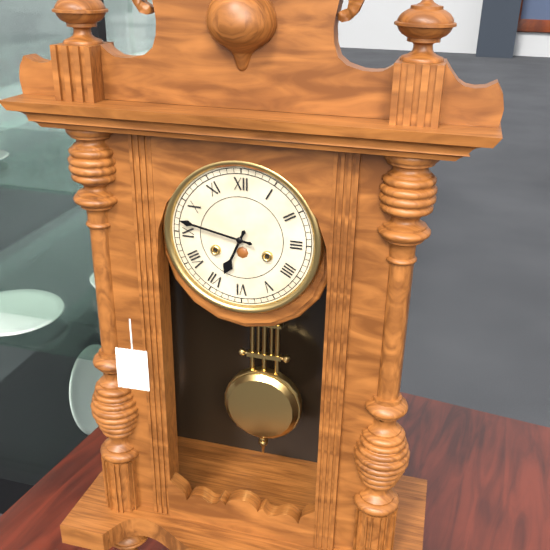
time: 6:47
